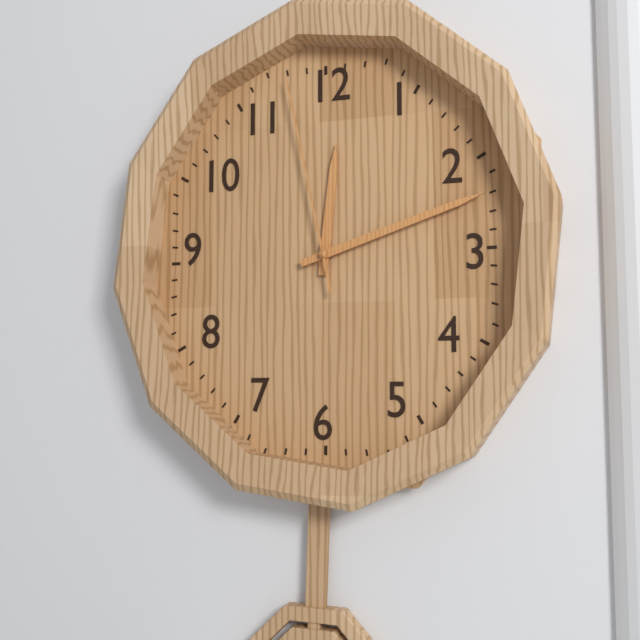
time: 12:12:58
